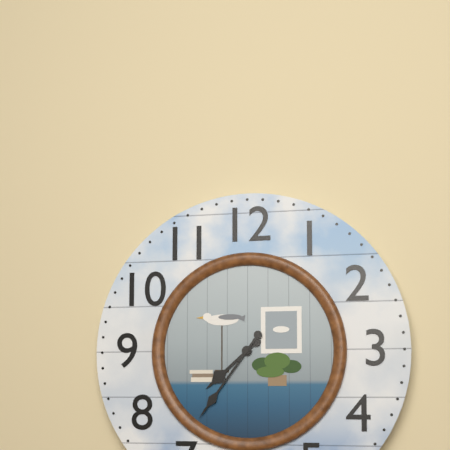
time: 7:36
